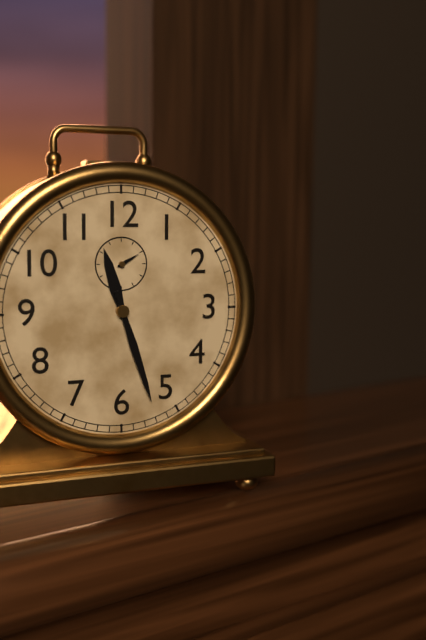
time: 11:27
